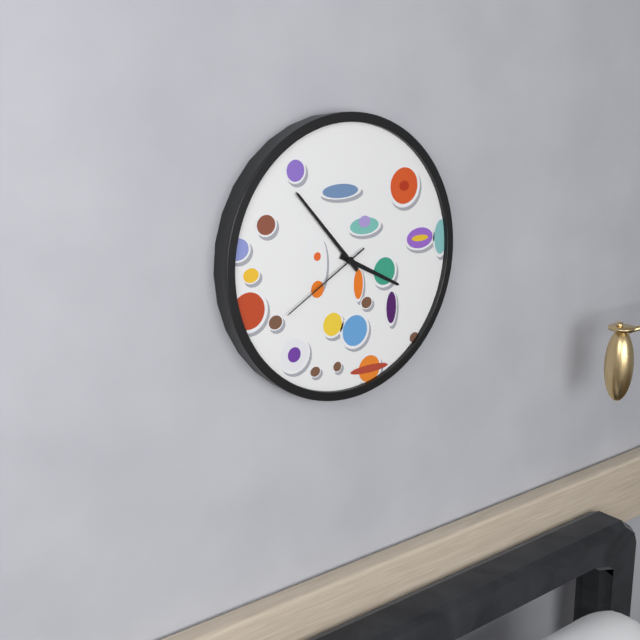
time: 3:53:40
